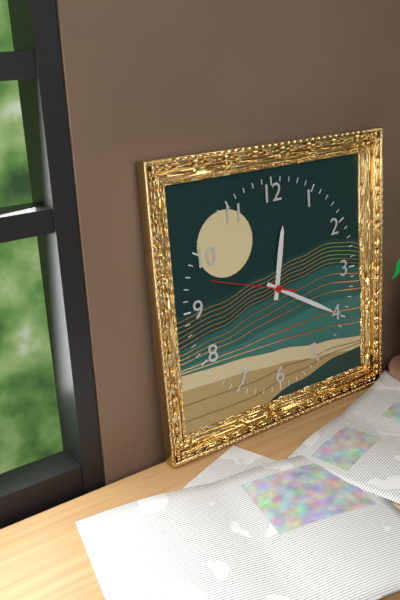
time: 12:20:48
